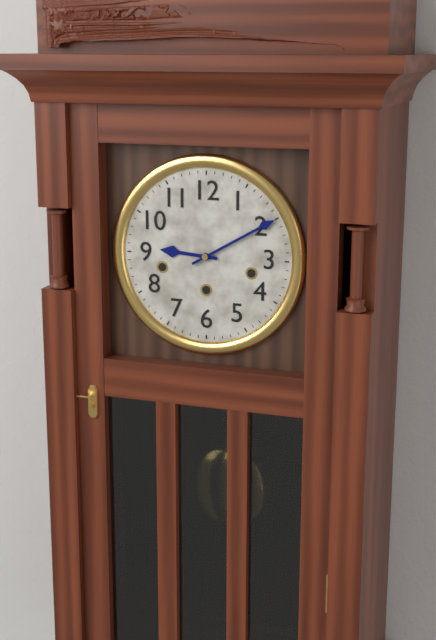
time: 9:10
